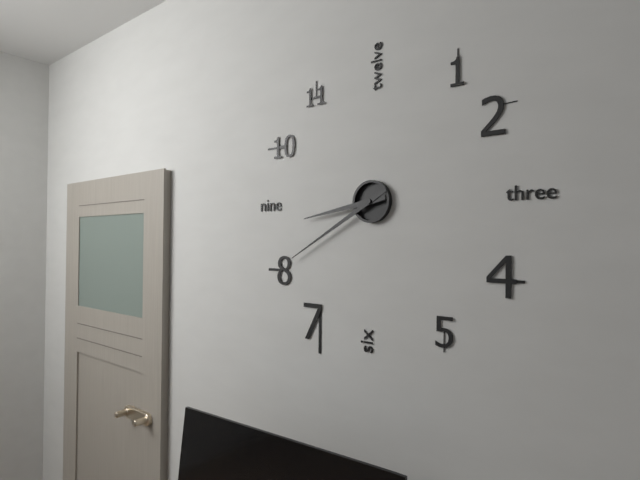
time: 8:40
